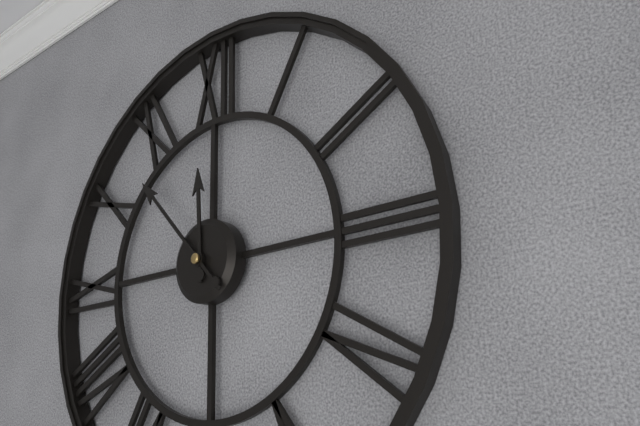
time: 11:53
